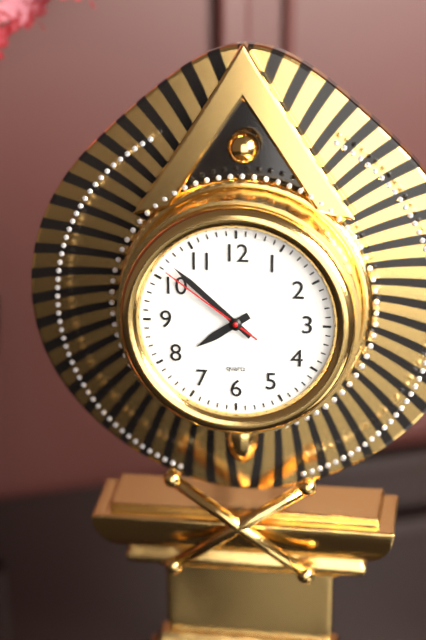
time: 7:52:51
